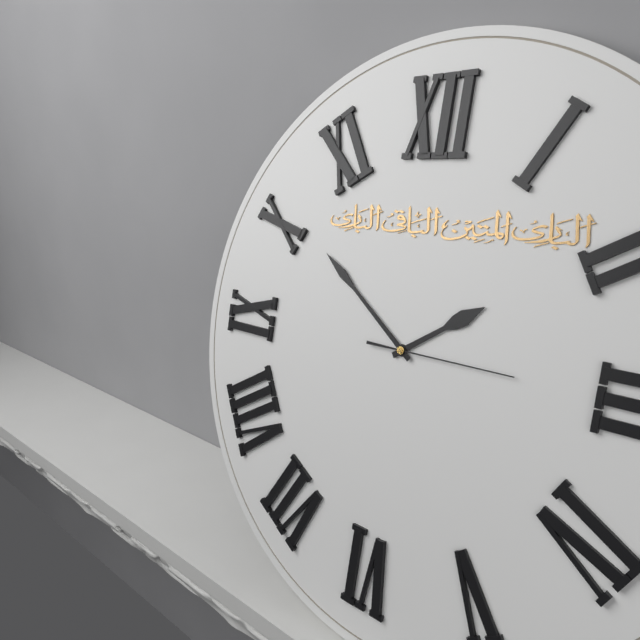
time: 1:51:15
